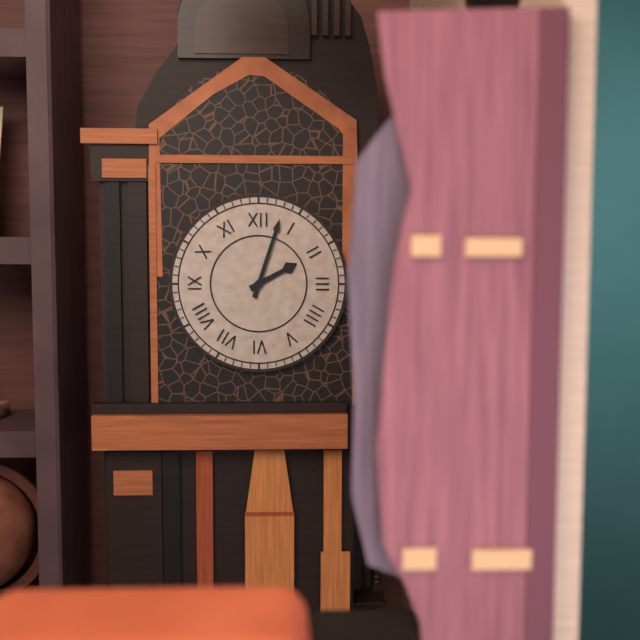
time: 2:03
